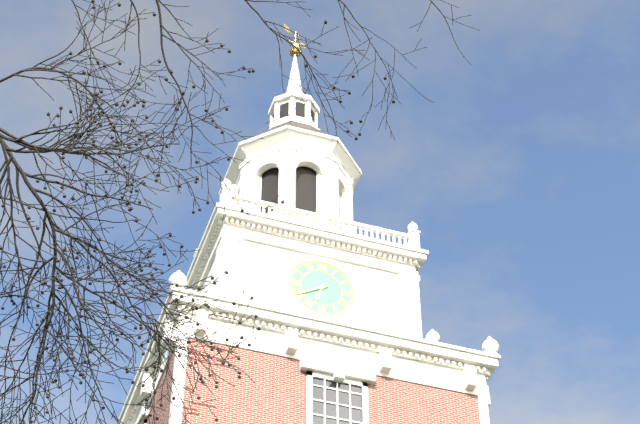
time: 6:40
